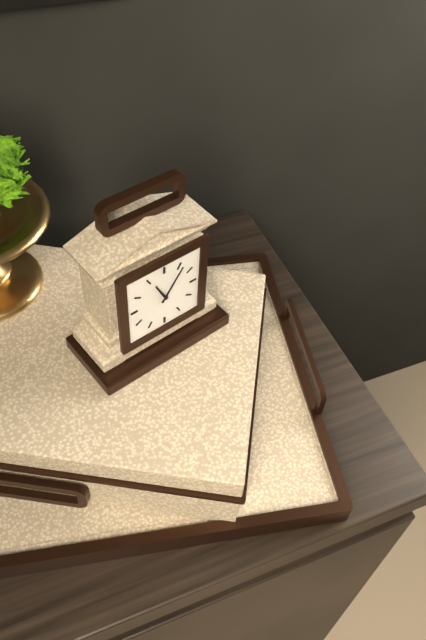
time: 11:06
